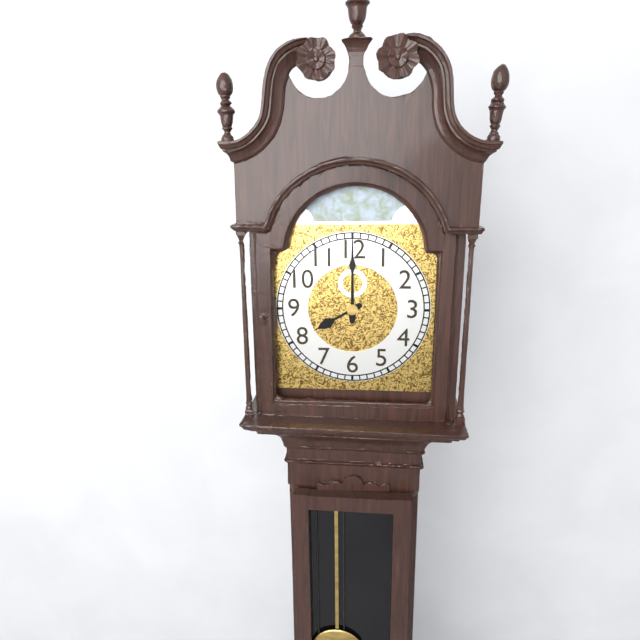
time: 8:00
